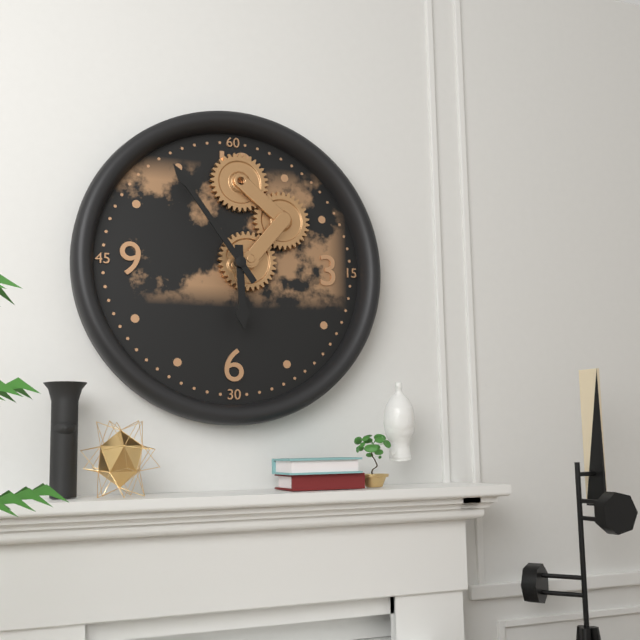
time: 5:54
